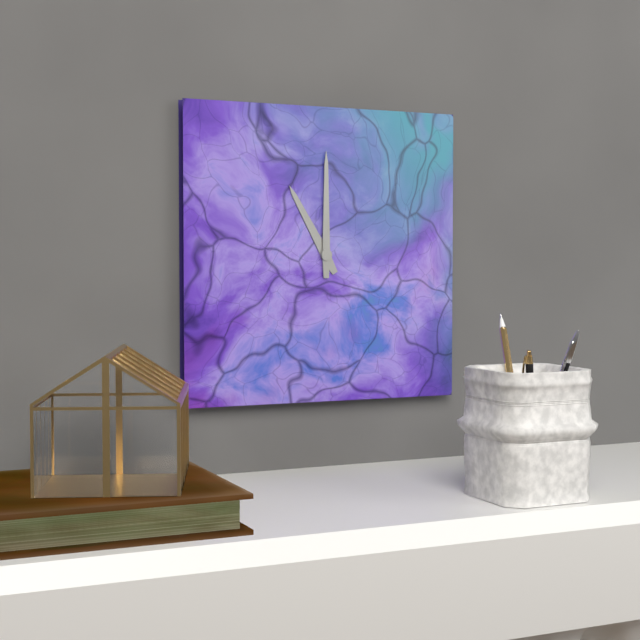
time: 11:00
